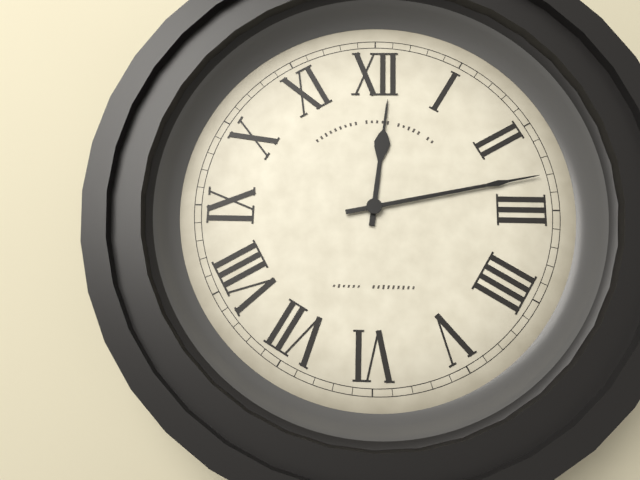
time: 12:13
